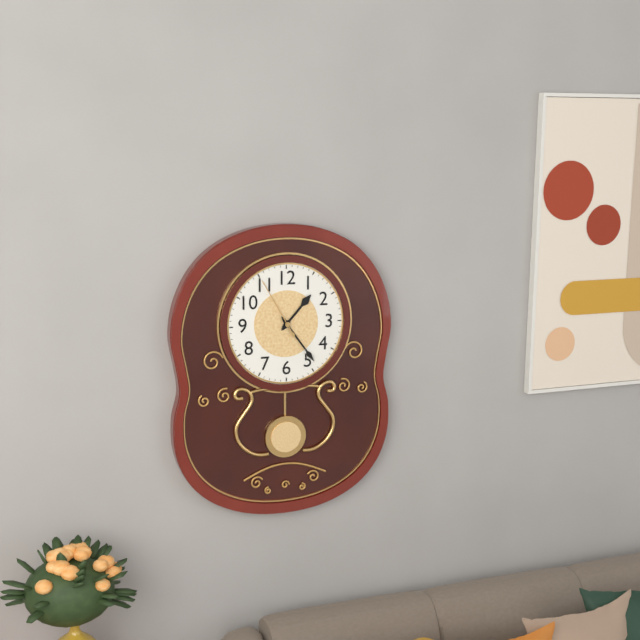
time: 1:24:55
